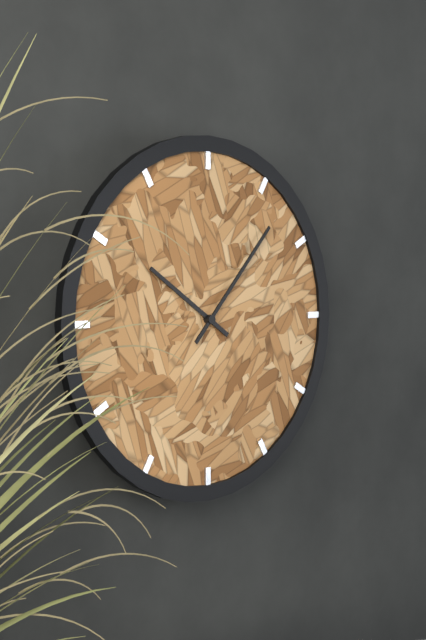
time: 10:07
